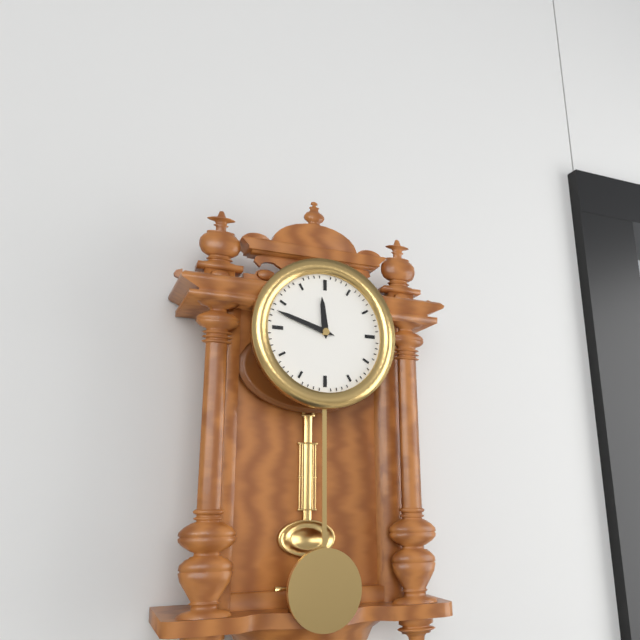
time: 11:48
